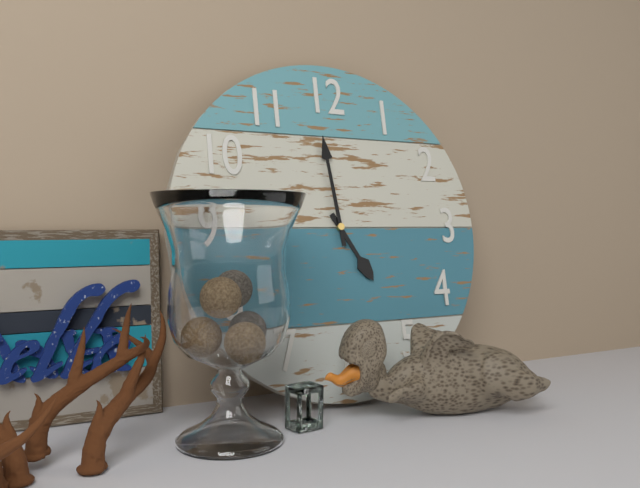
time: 4:59
